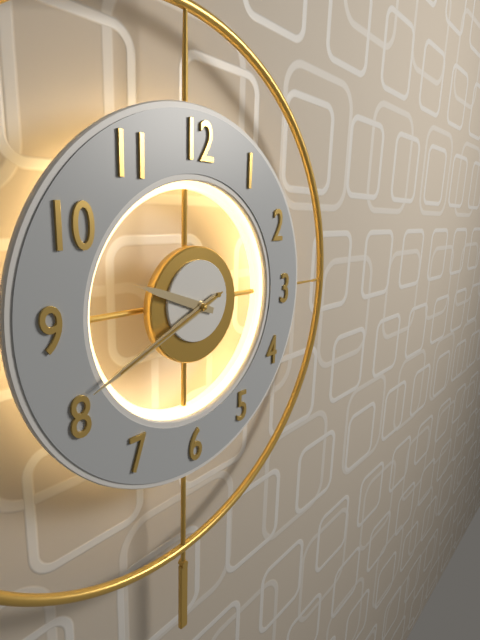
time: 9:41:41
